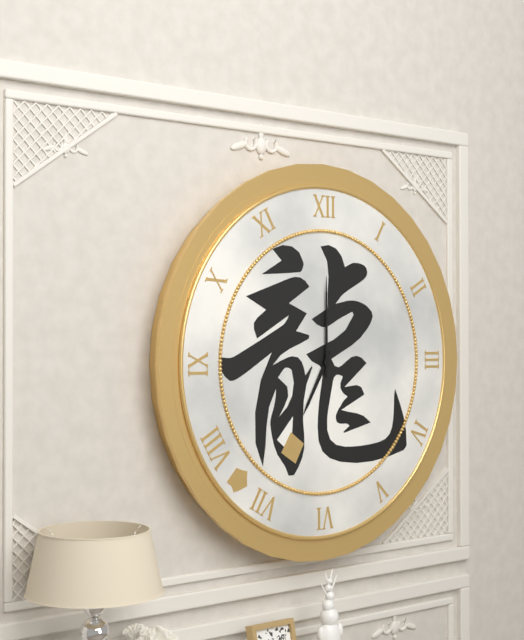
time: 7:00
